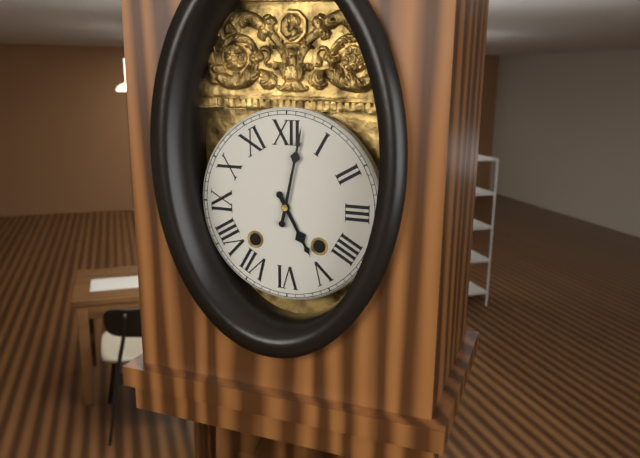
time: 5:02
